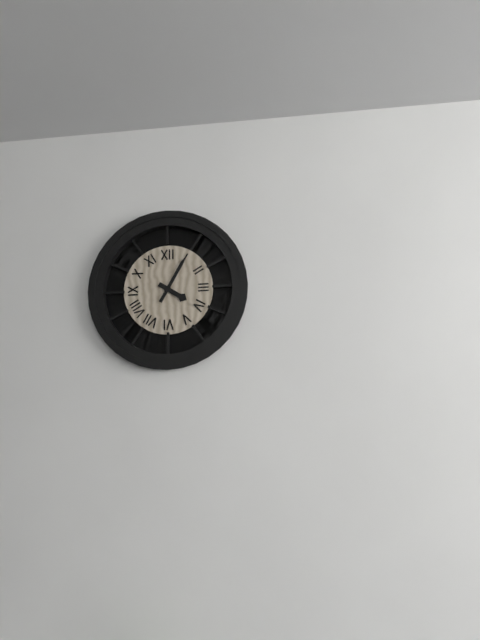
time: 4:05
